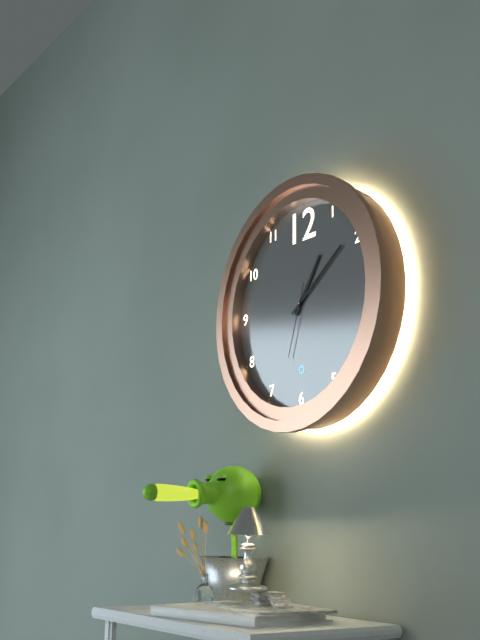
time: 1:09:33
